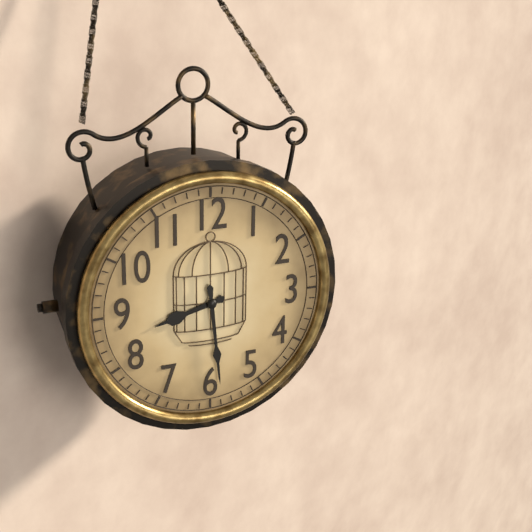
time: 8:29
